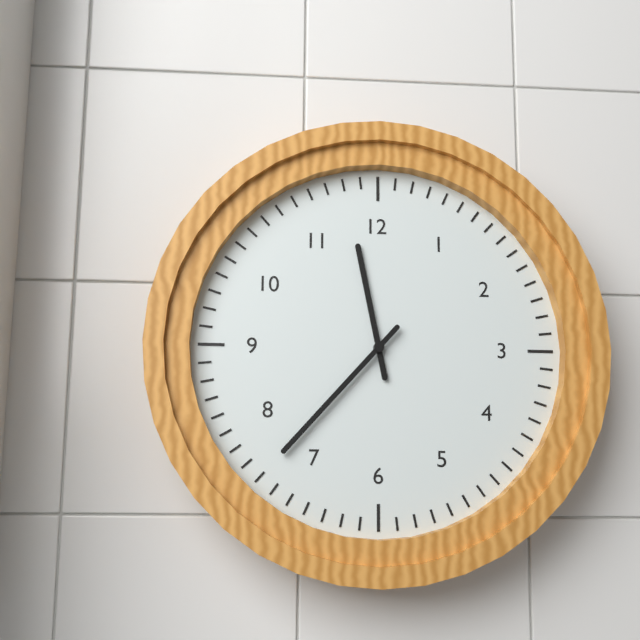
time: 11:37
